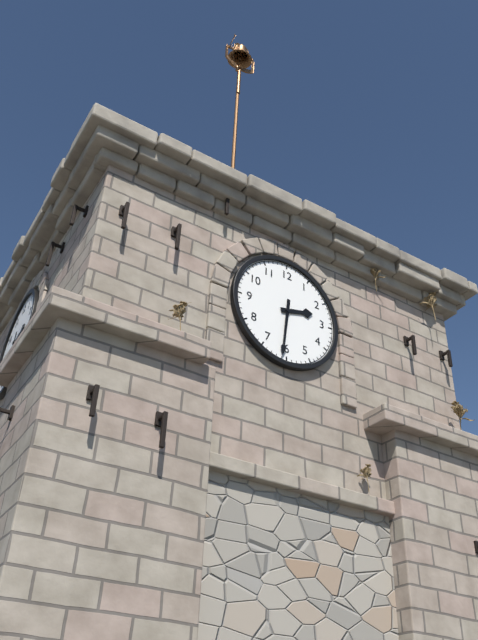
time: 2:31
